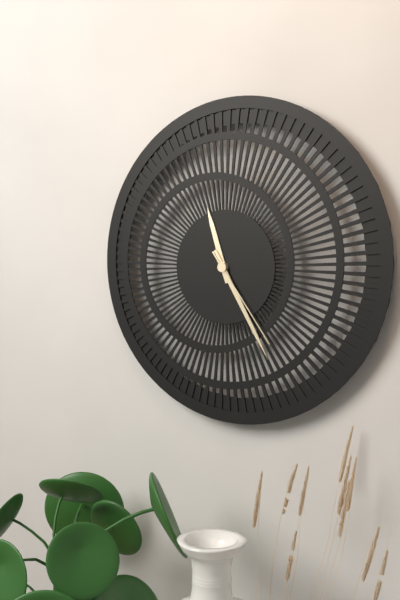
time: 11:25:24
